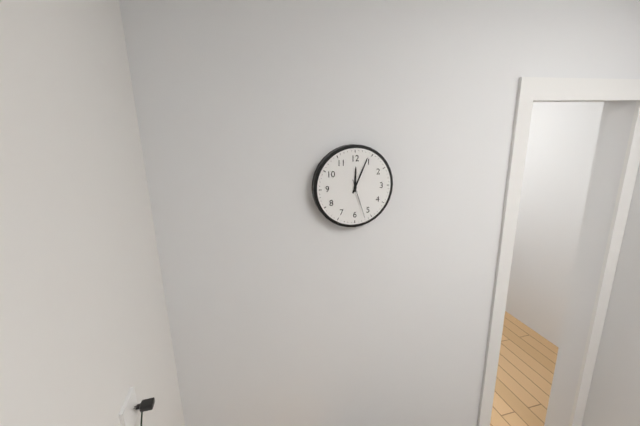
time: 12:04
